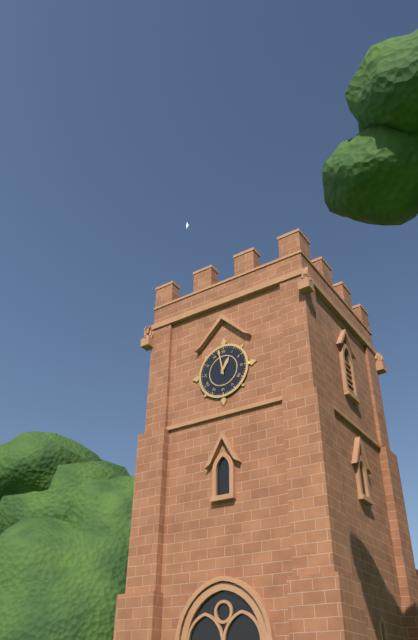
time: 12:58
